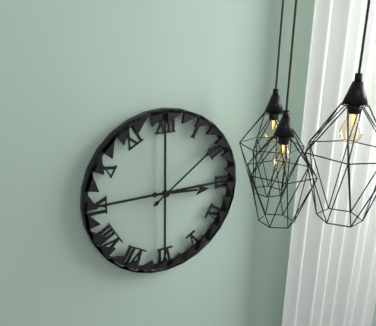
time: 3:09
